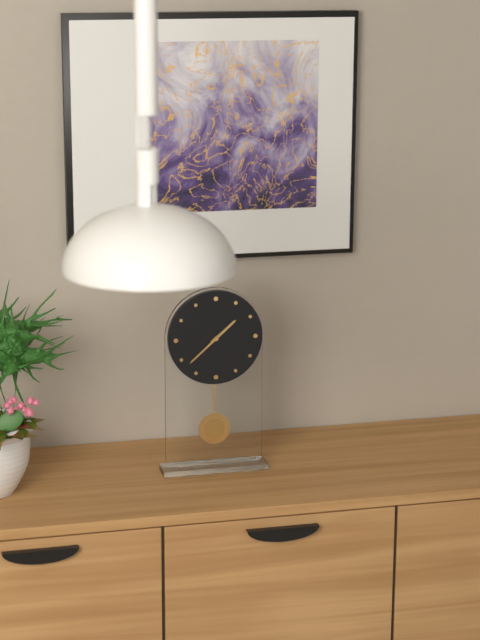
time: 1:38
